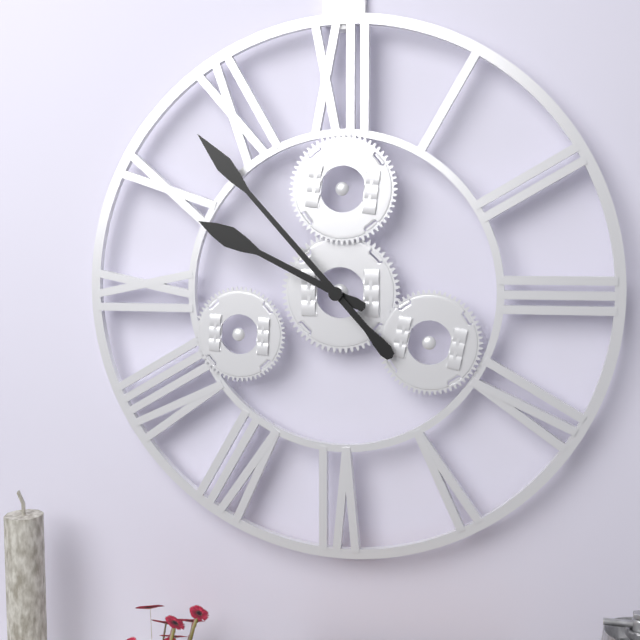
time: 9:53
